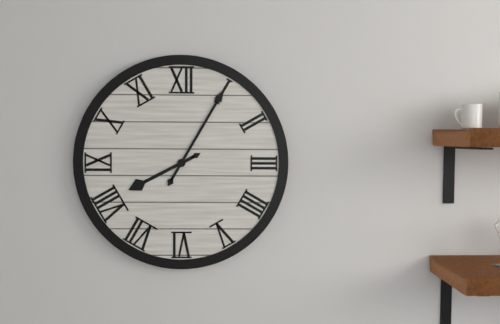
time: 8:05
